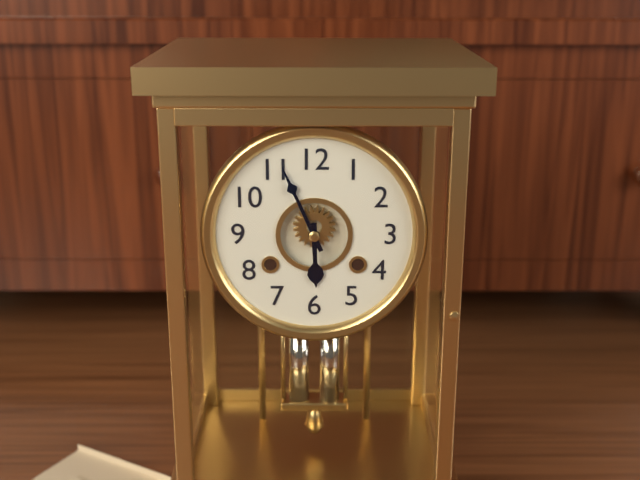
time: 5:56
